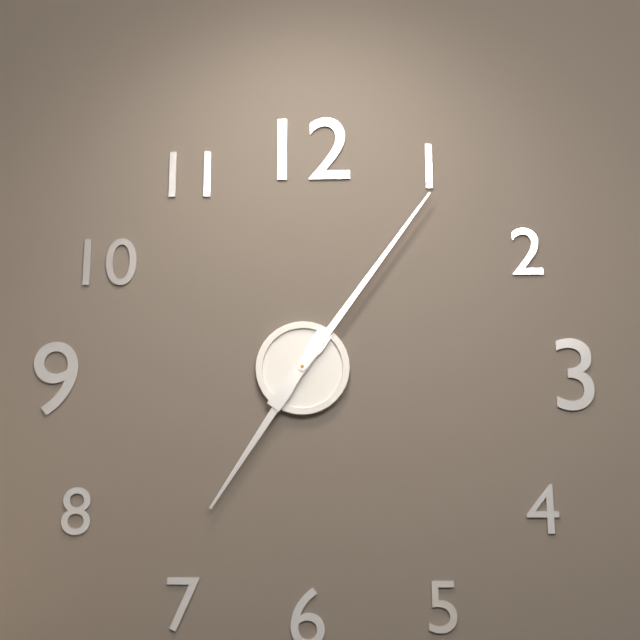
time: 7:06
